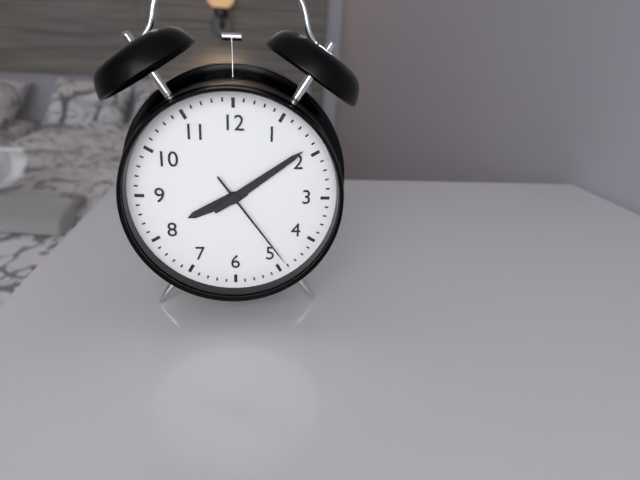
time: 8:09:24
